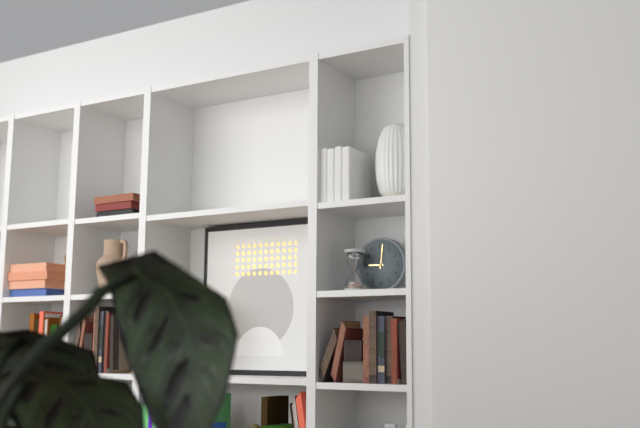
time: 9:01
